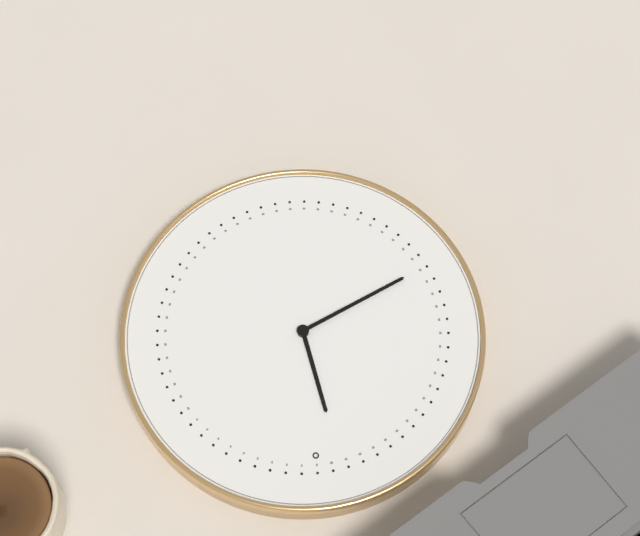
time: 11:41
